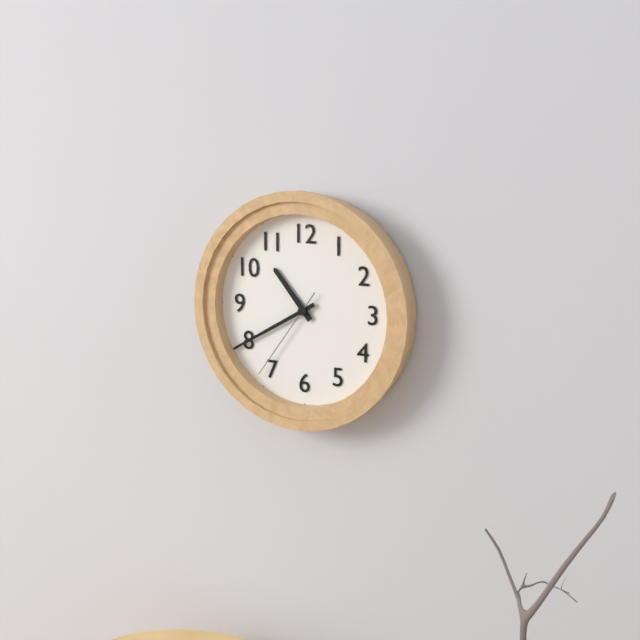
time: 10:40:36
